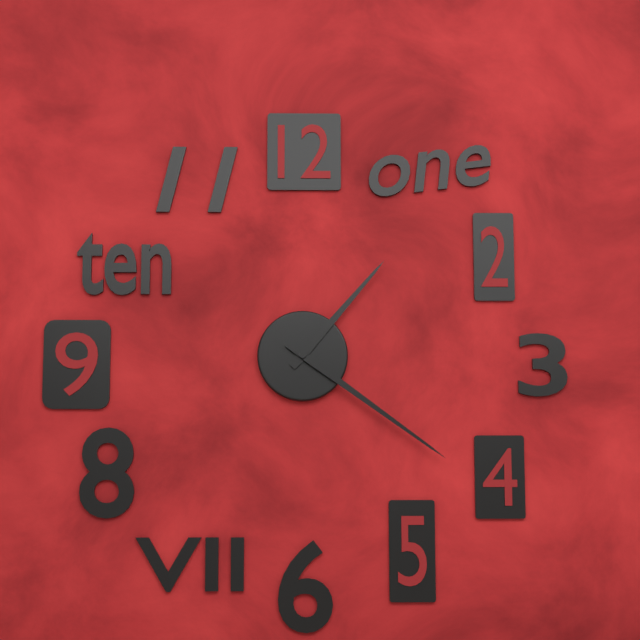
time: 1:21
